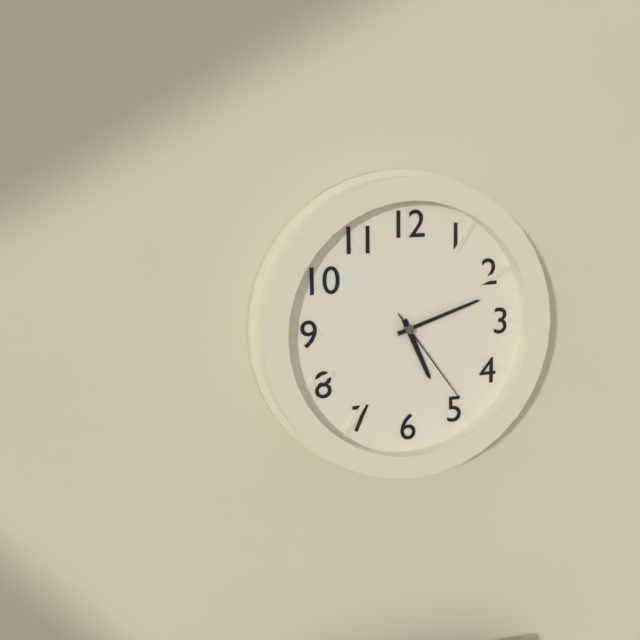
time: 5:12:24
